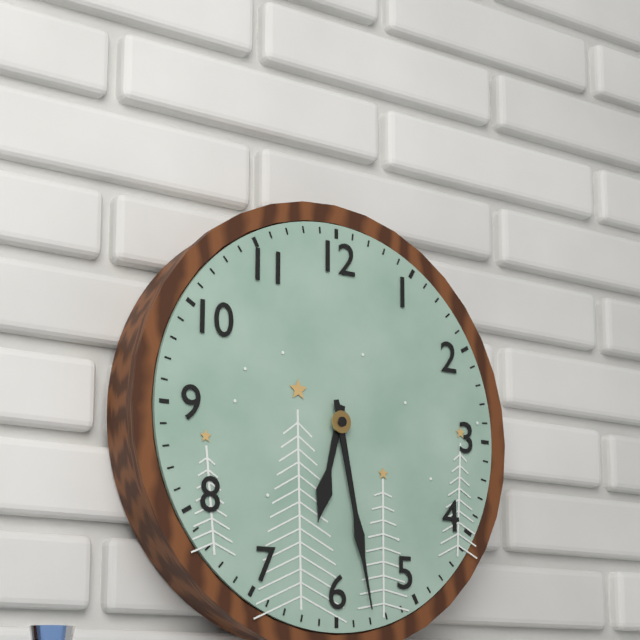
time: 6:28
